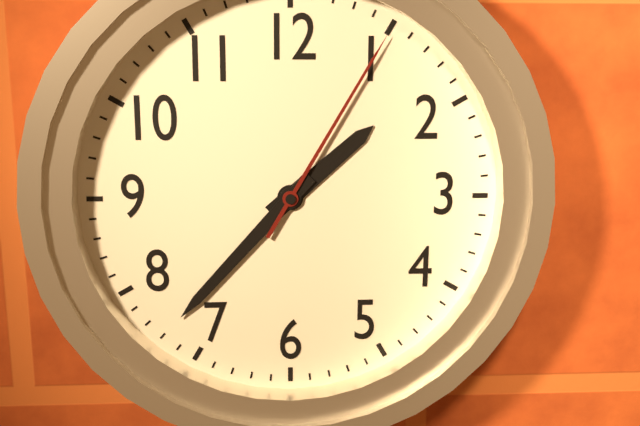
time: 1:37:05
